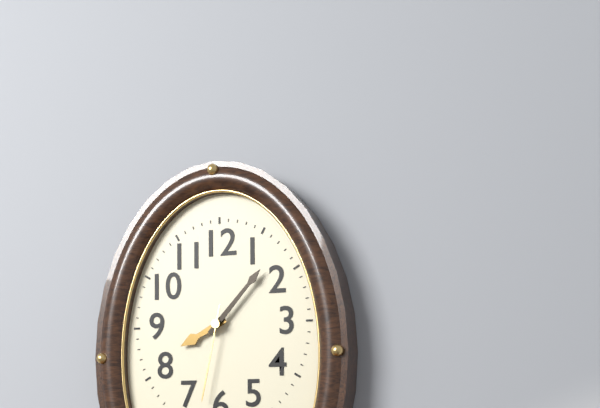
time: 8:07:32
